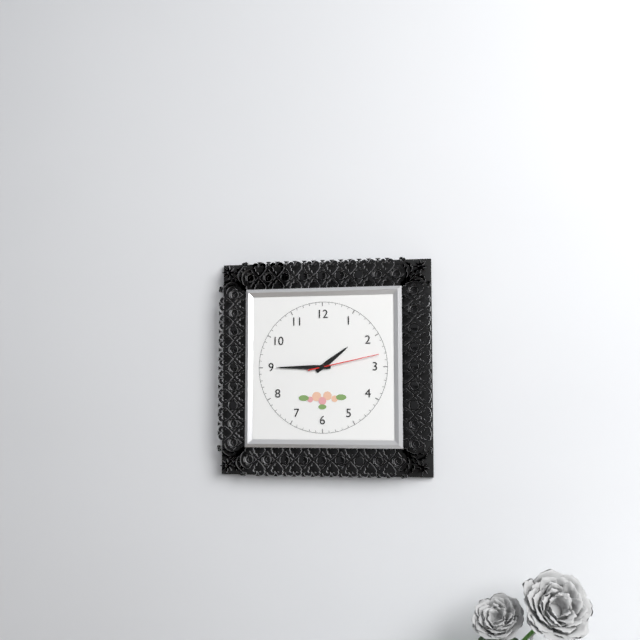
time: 1:45:13
